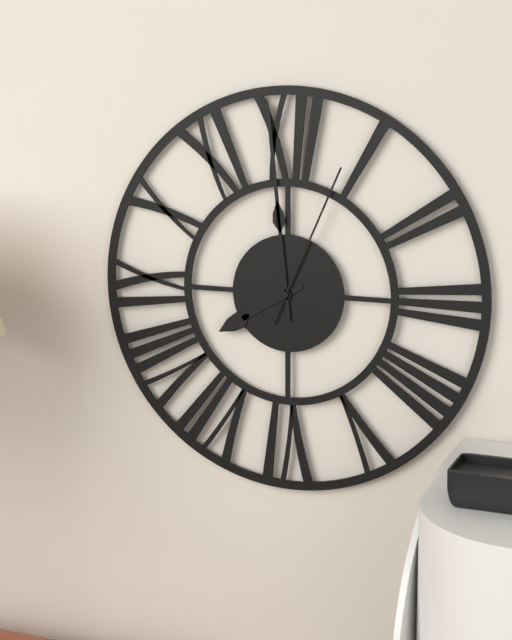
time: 7:59:04
